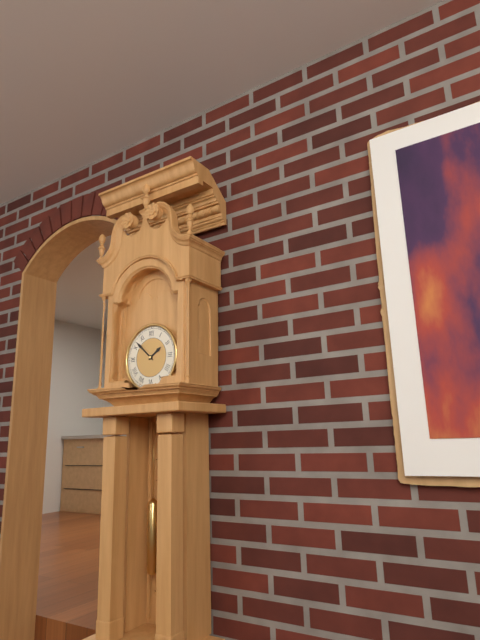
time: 1:52
